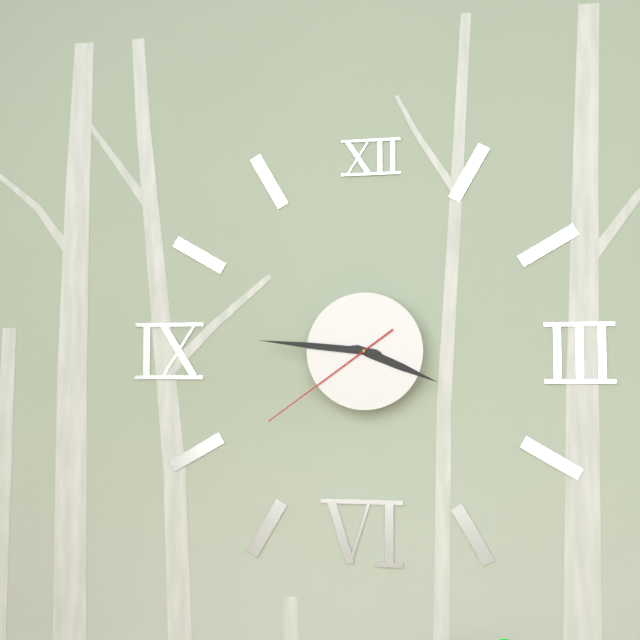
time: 3:46:39
